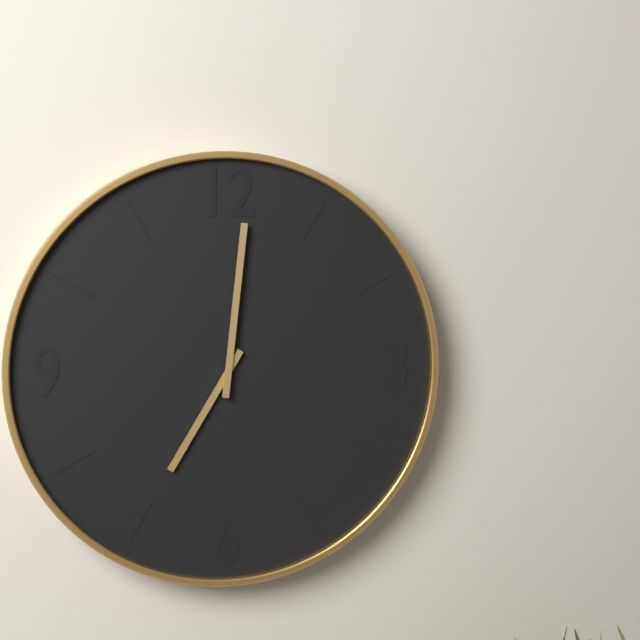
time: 7:01
